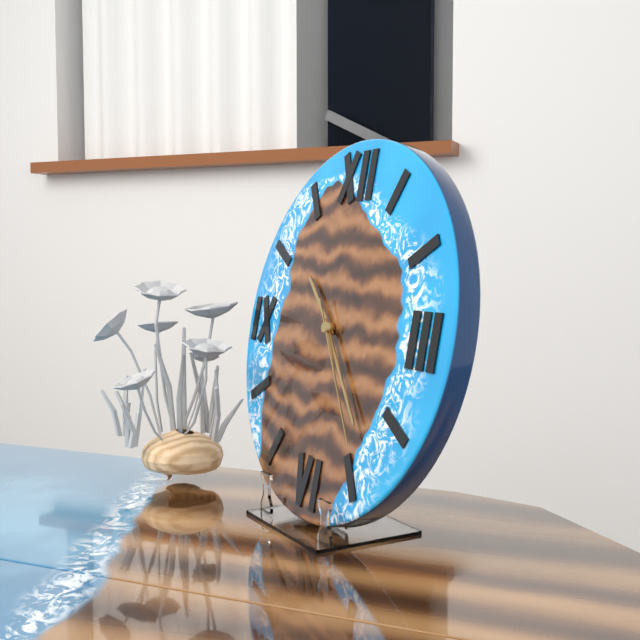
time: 10:23:24
